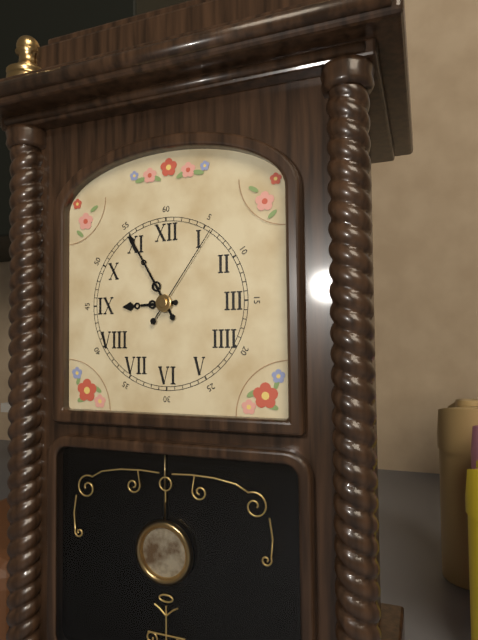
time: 8:55:06
